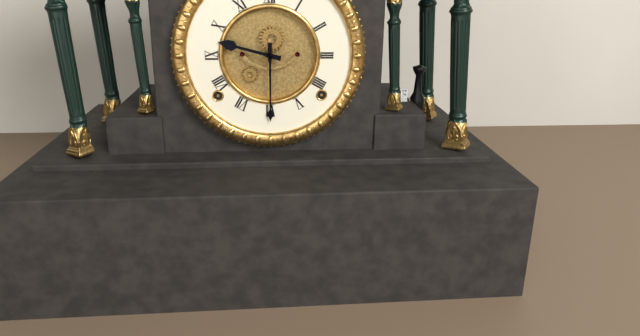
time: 9:30
